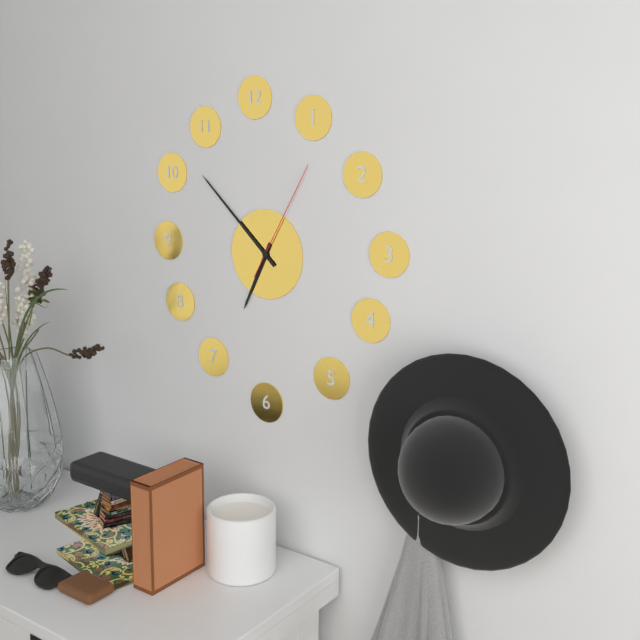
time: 6:52:05
